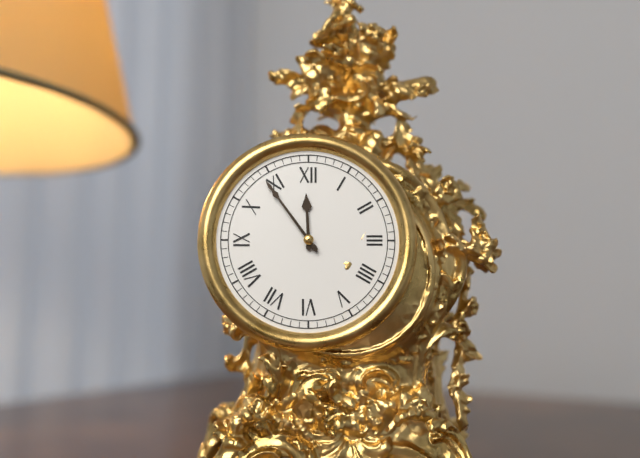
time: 11:54
